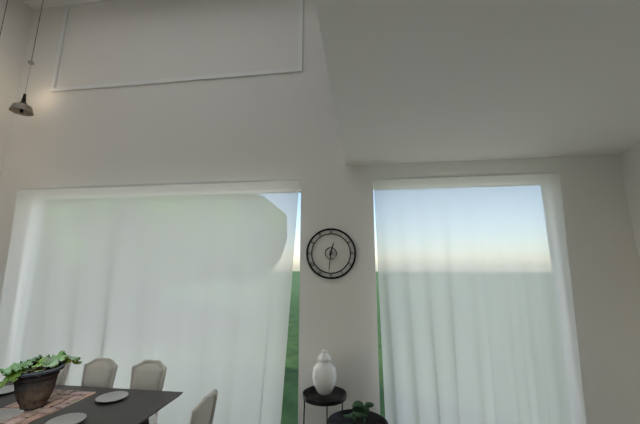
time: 12:31
